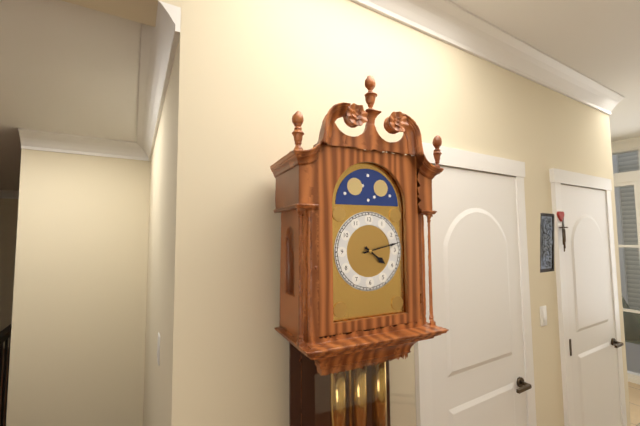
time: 4:13
